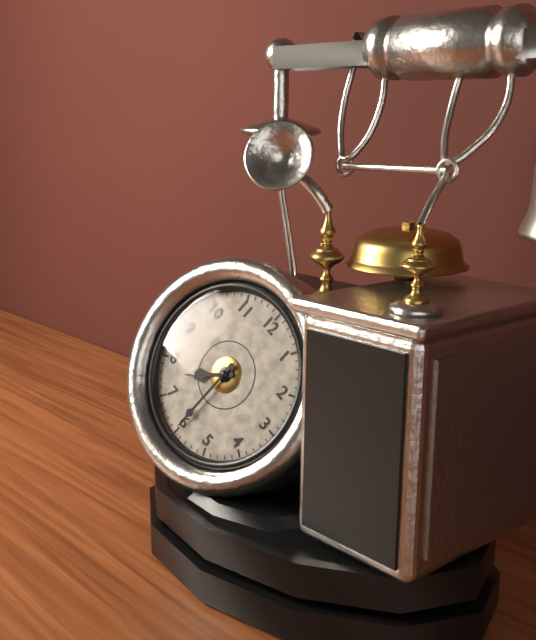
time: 7:30
